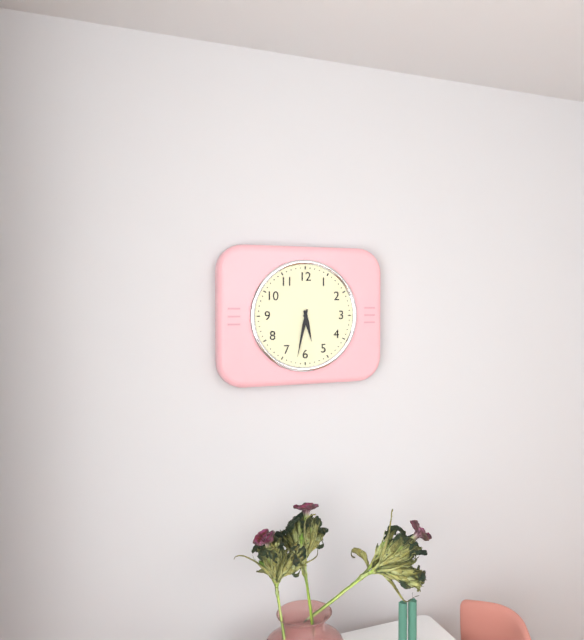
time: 5:32
